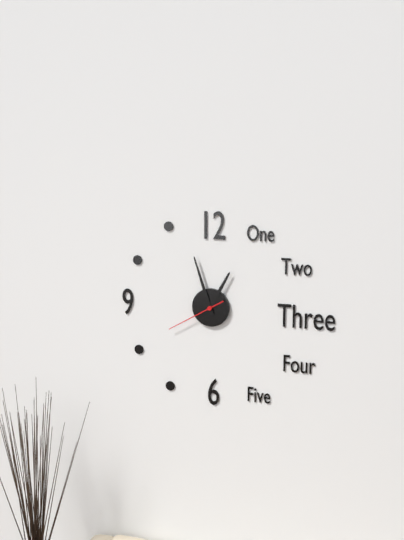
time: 12:57:40
